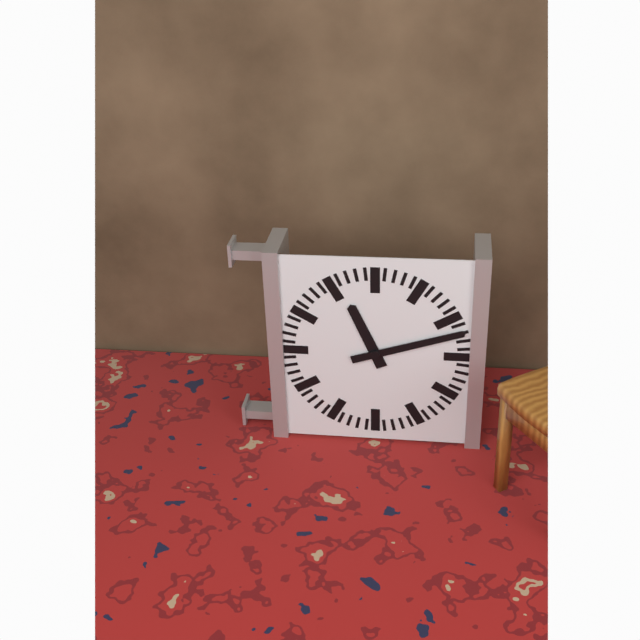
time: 11:12
